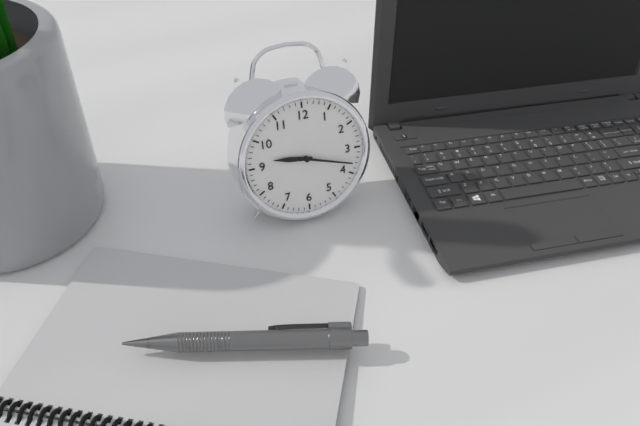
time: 9:18
